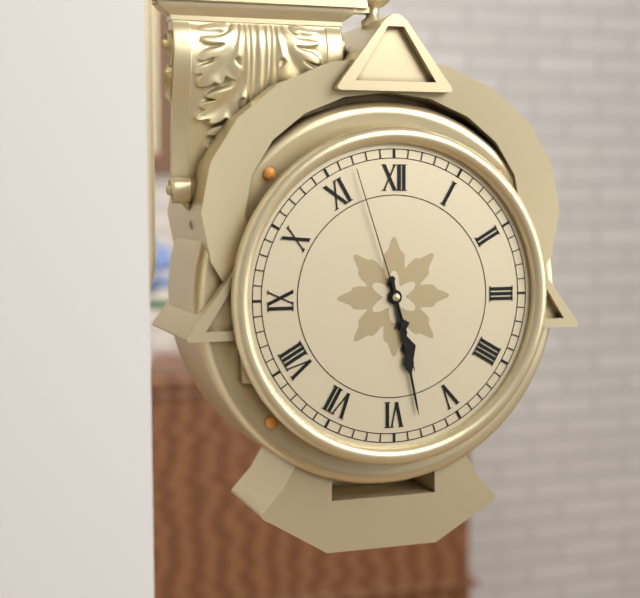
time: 5:28:57
